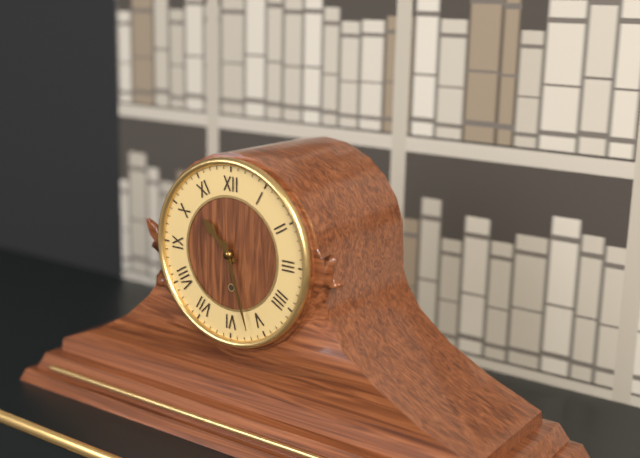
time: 10:27
